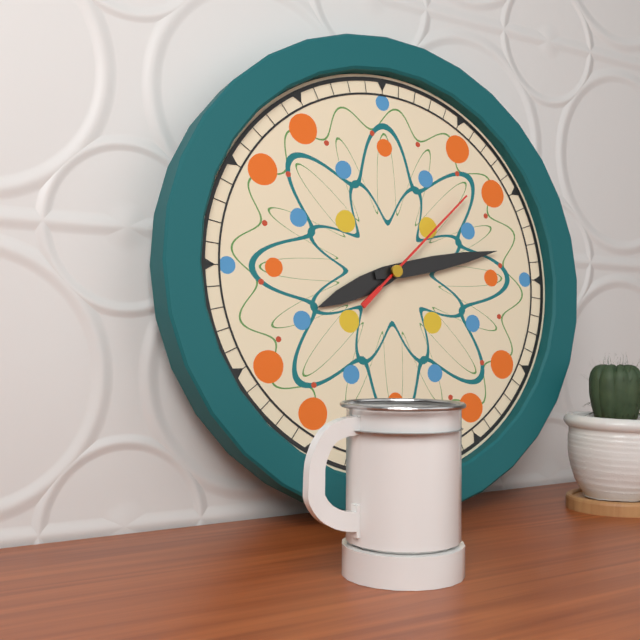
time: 8:13:08
